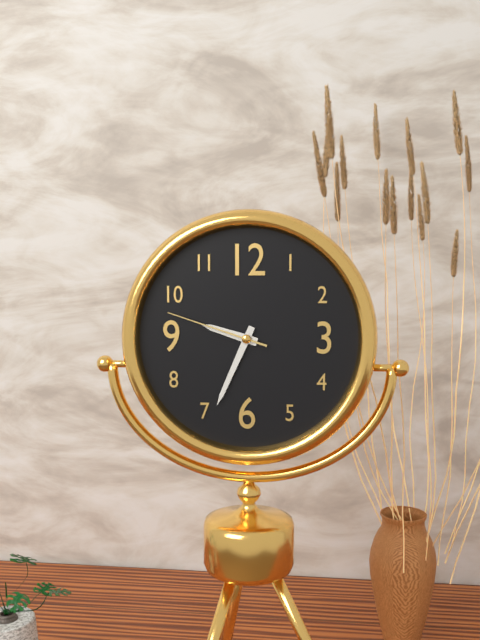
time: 9:34:48
